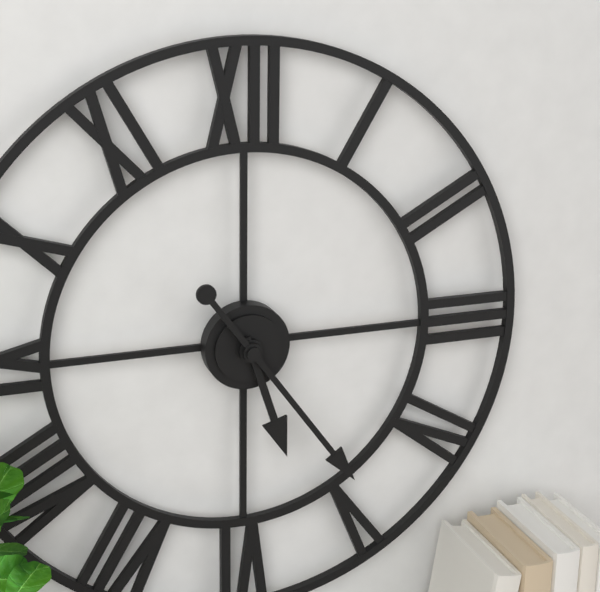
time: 5:24
